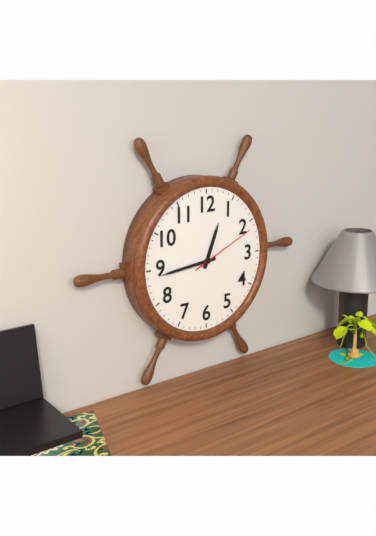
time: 12:44:11
